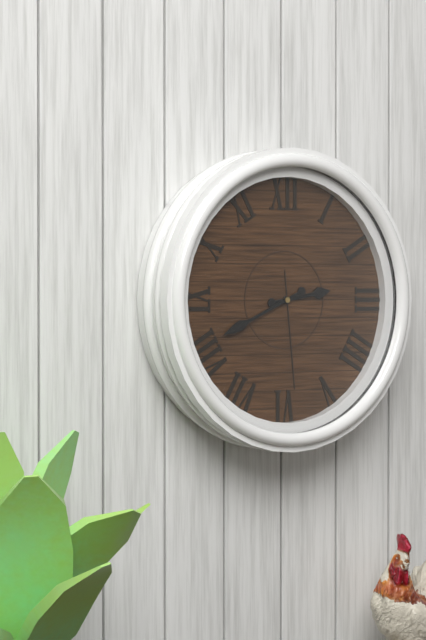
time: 2:41:29
